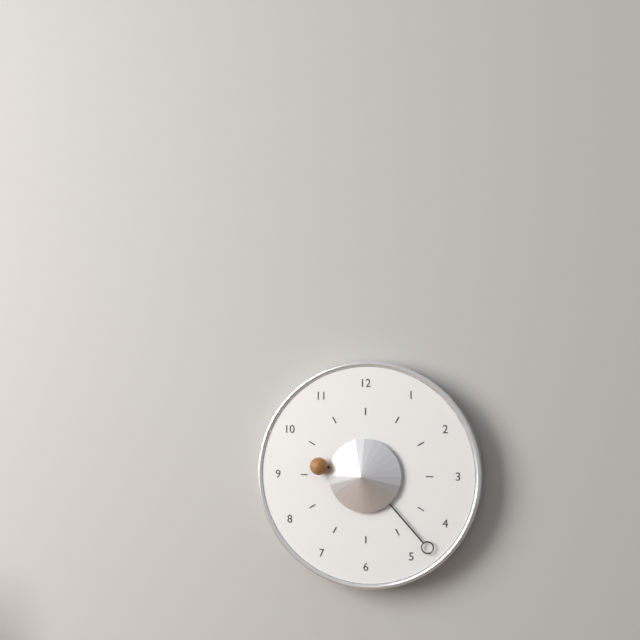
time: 9:23
